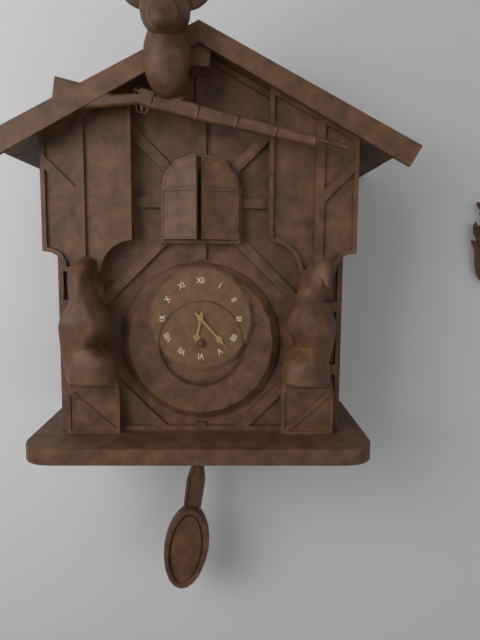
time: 6:23
